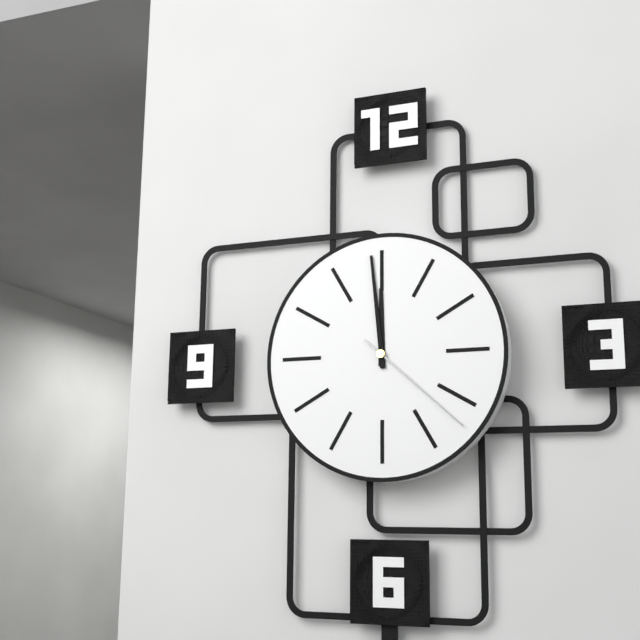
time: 11:59:22
